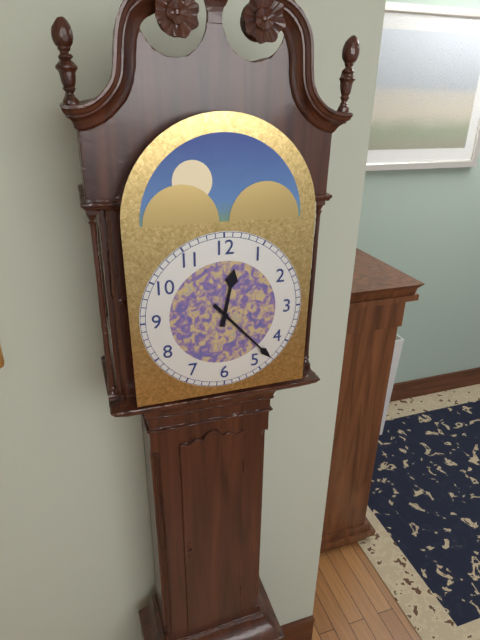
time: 12:23
